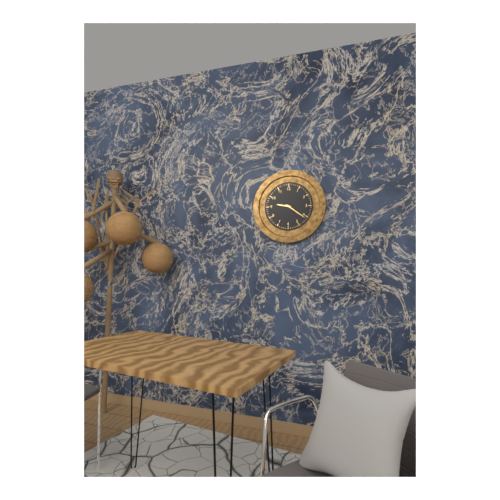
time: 9:21
